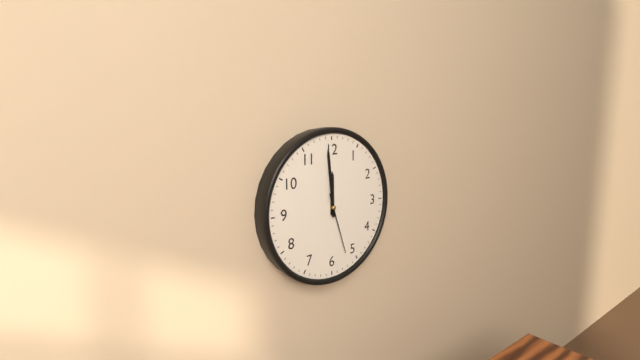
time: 11:59:27
